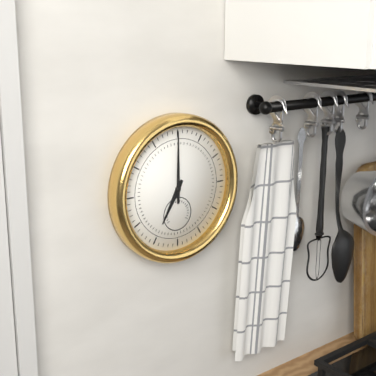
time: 7:00
